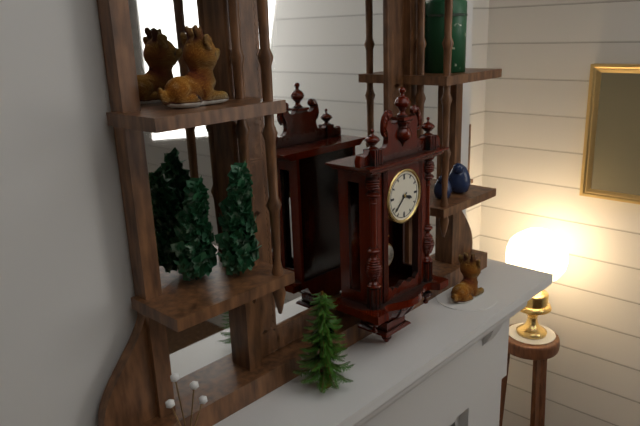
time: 3:38
